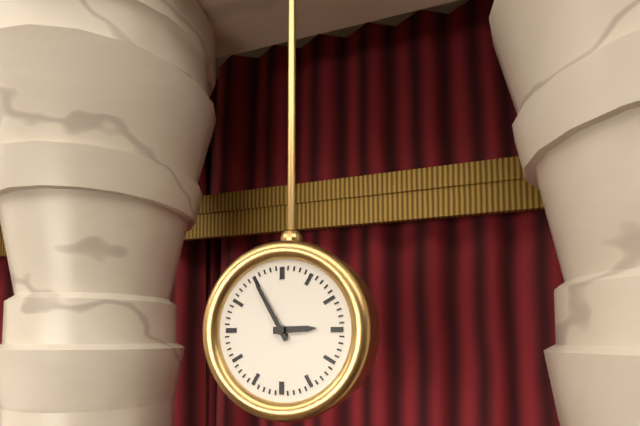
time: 2:55
